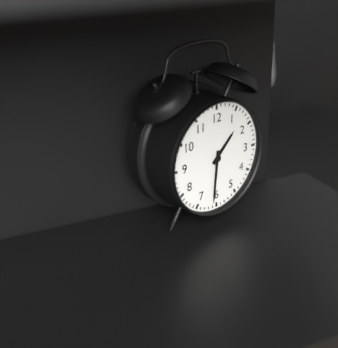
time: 1:31
